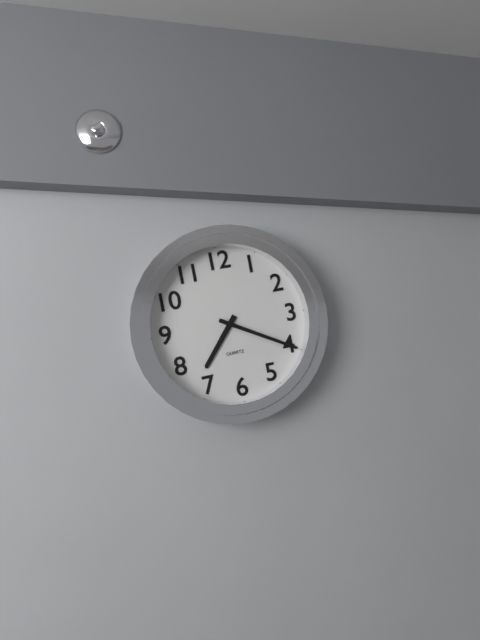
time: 7:20
